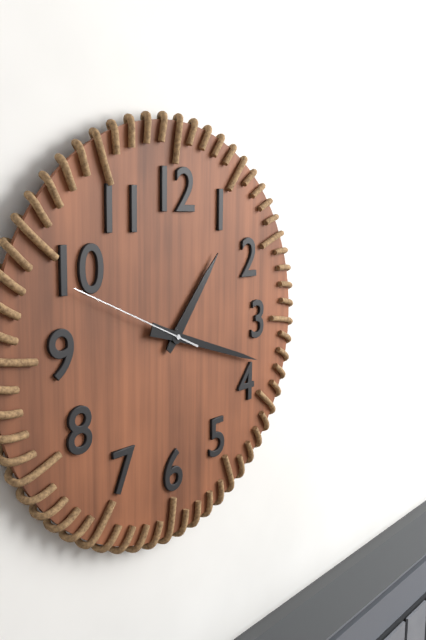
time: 1:18:49
